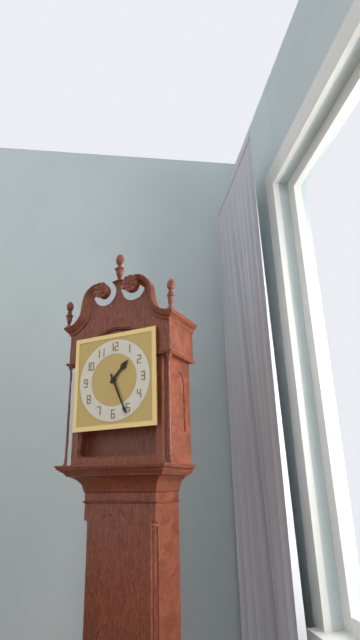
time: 1:26
